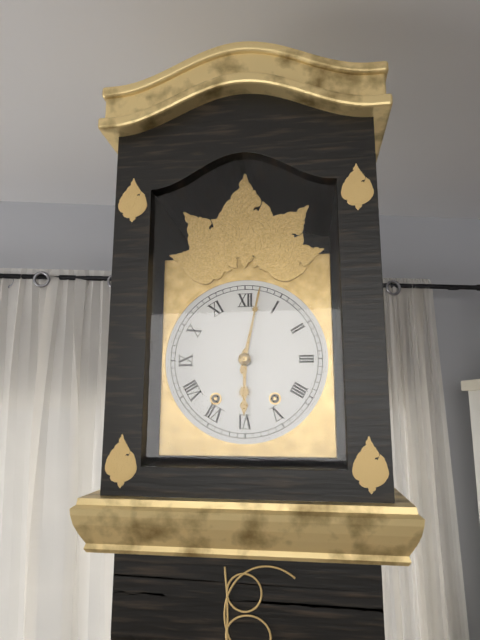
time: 6:02
